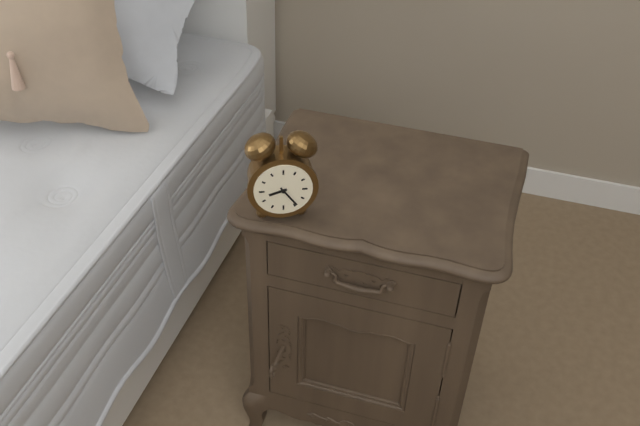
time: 8:24
